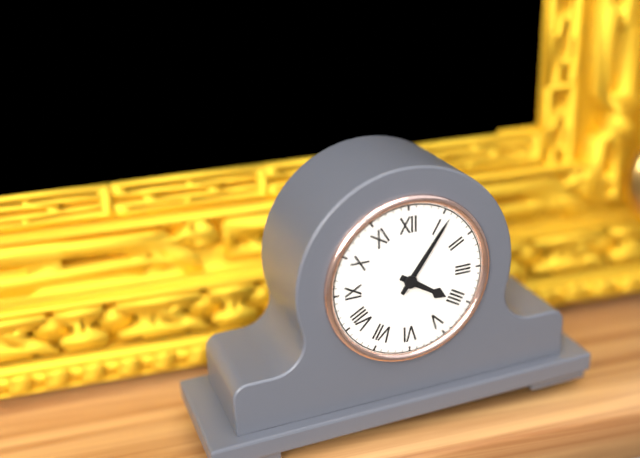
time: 4:06
